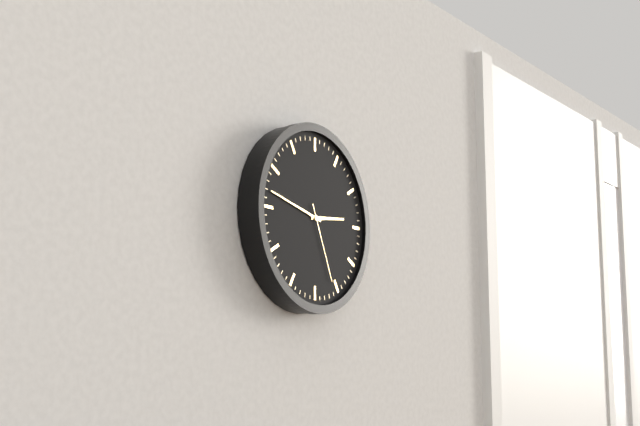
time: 2:47:26
